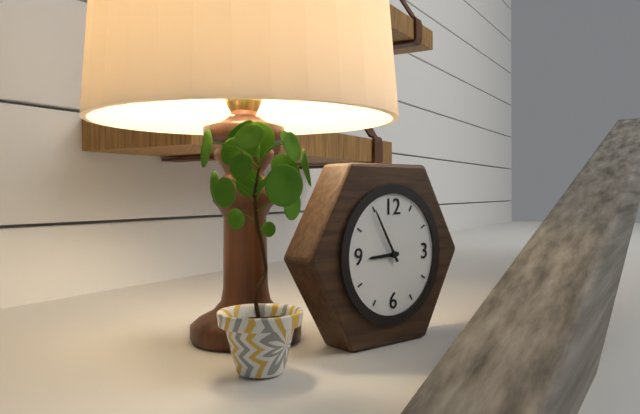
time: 8:55
